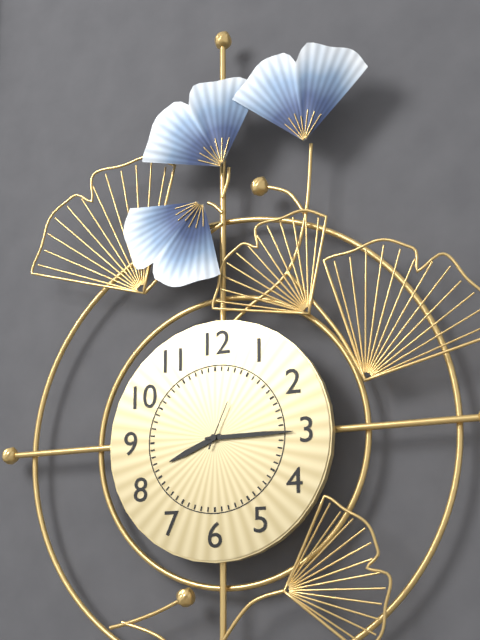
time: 8:15
